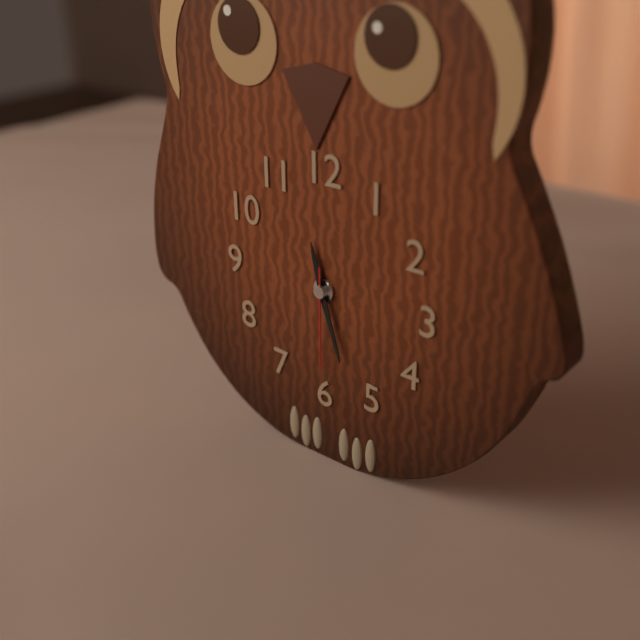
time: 11:27:30
